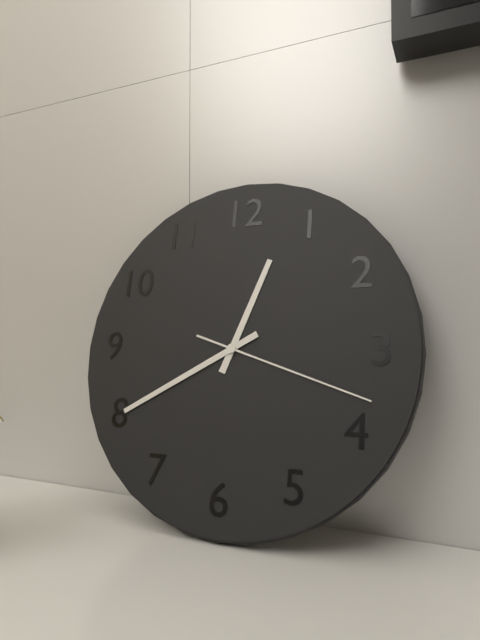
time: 12:40:18
